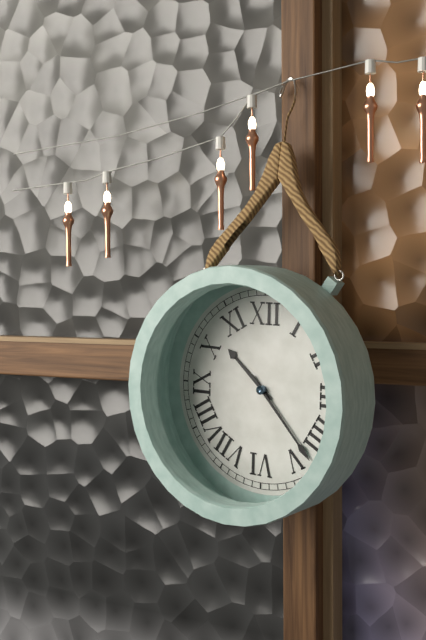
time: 10:23
